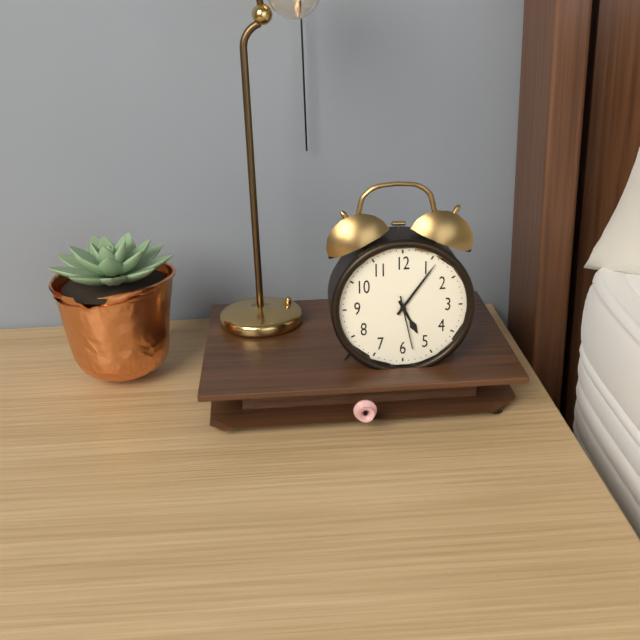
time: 5:06:28
